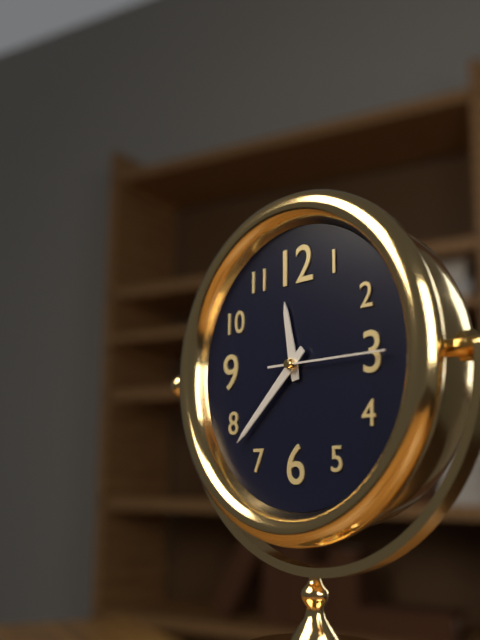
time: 11:38:15
